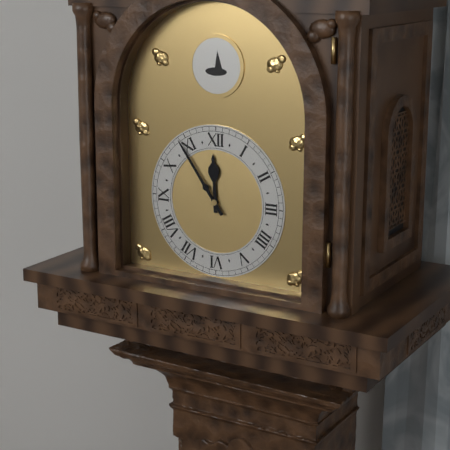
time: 11:54
